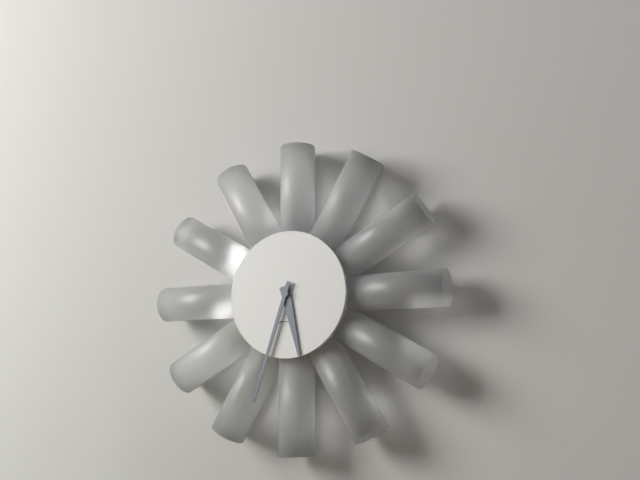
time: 5:33
